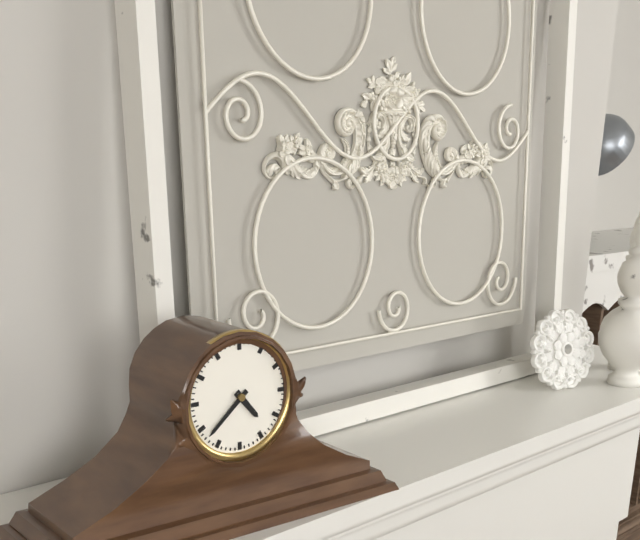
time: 4:38
